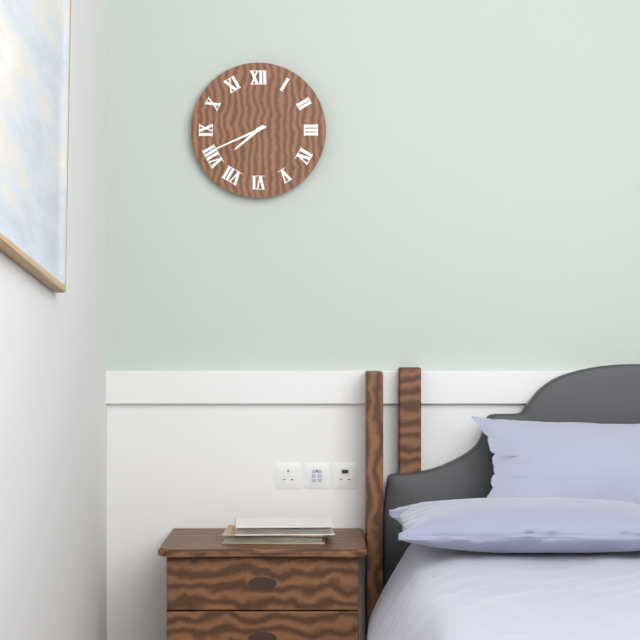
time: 7:41
